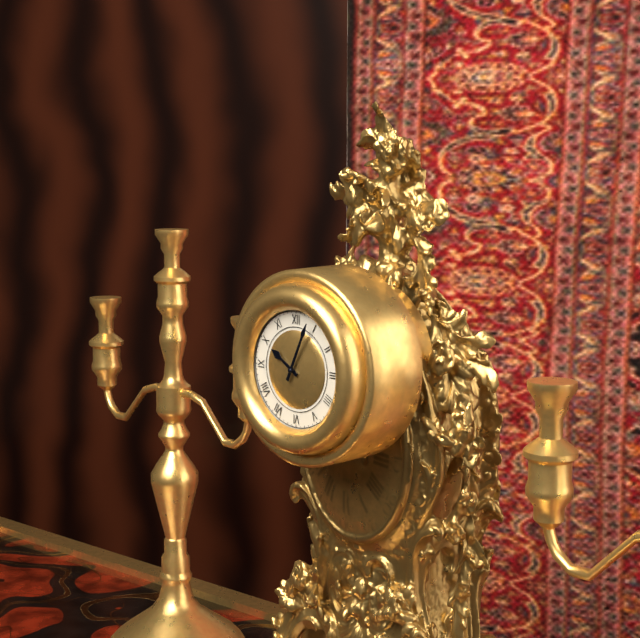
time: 10:04
